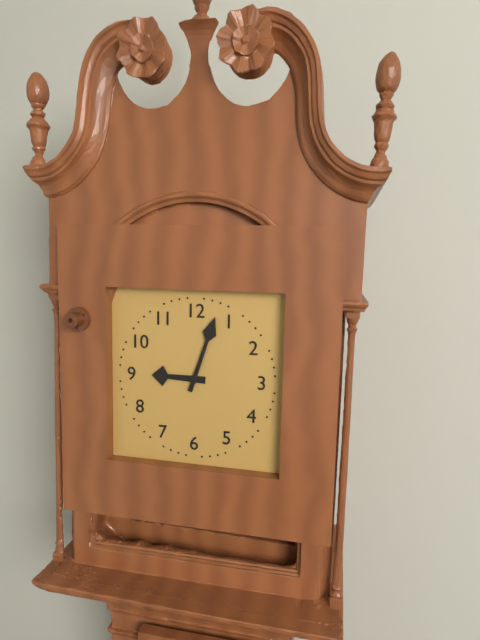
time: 9:03
